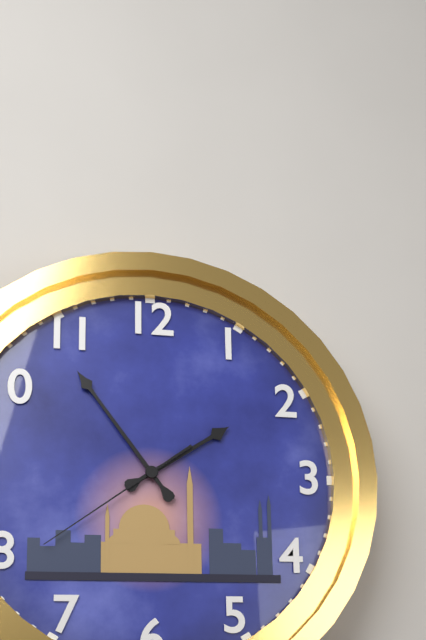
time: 1:54:39
